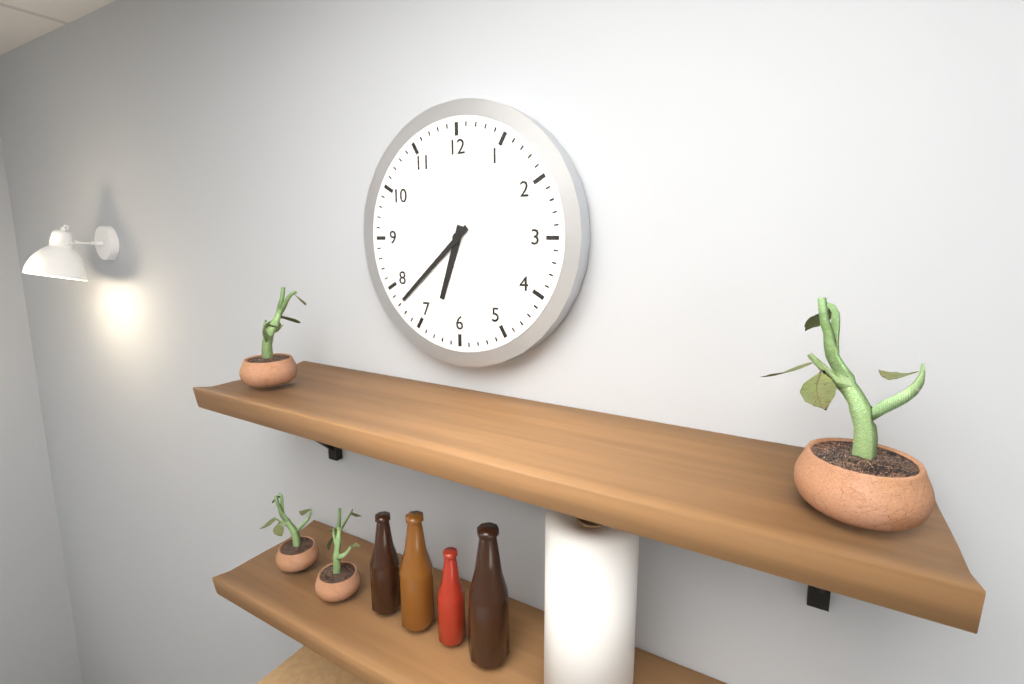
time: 6:38
